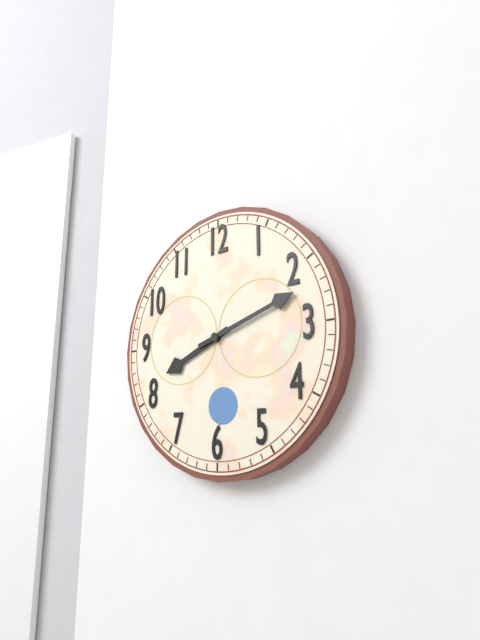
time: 8:12
